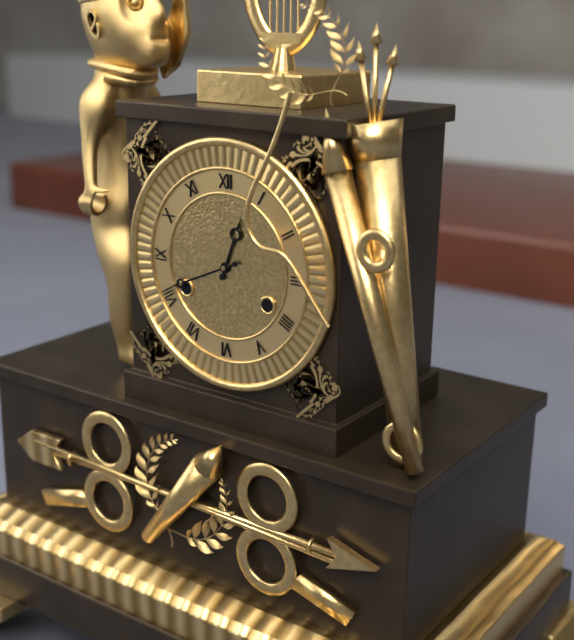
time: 12:41
